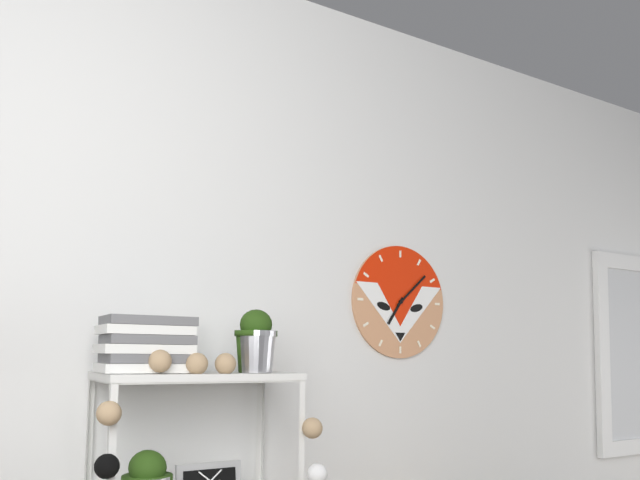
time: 7:08
